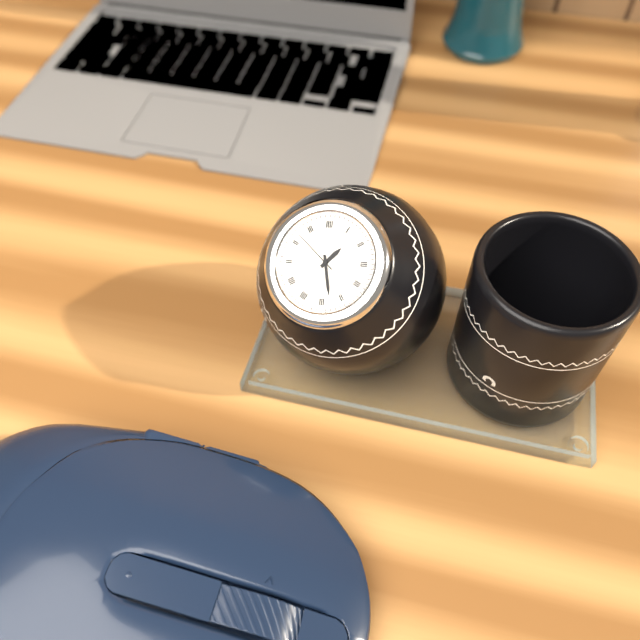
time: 1:28
